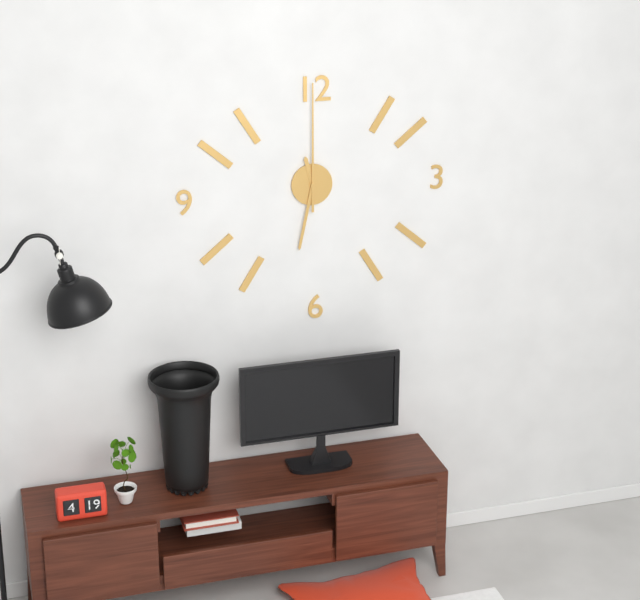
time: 11:32:00
